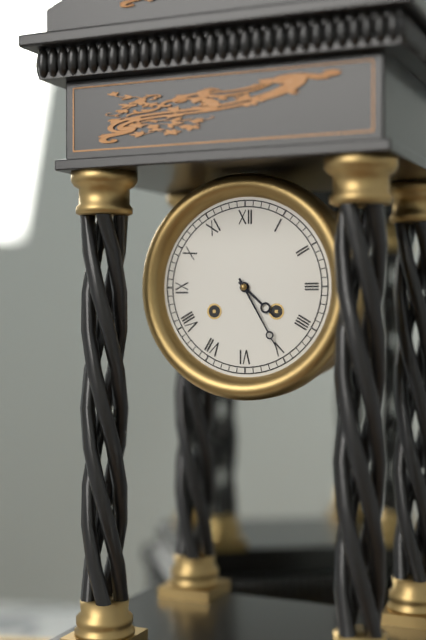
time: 4:25
